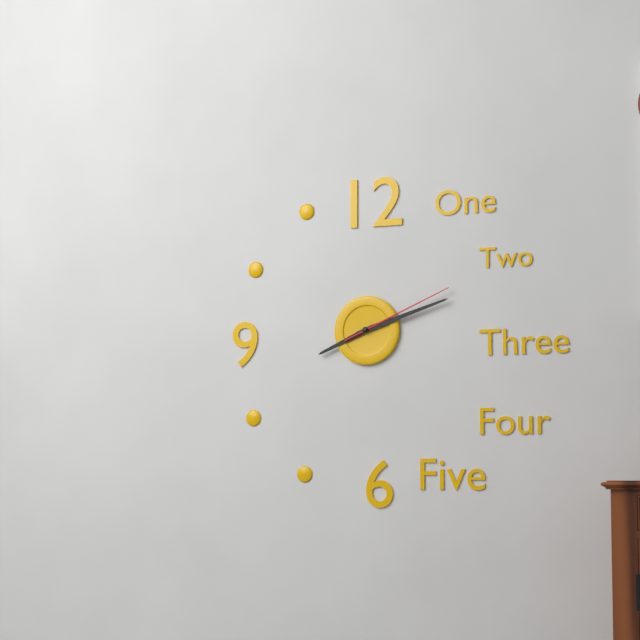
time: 8:12:11
